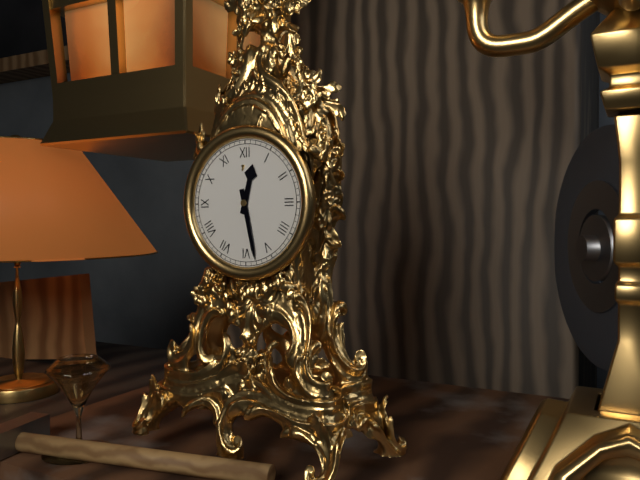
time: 12:28
